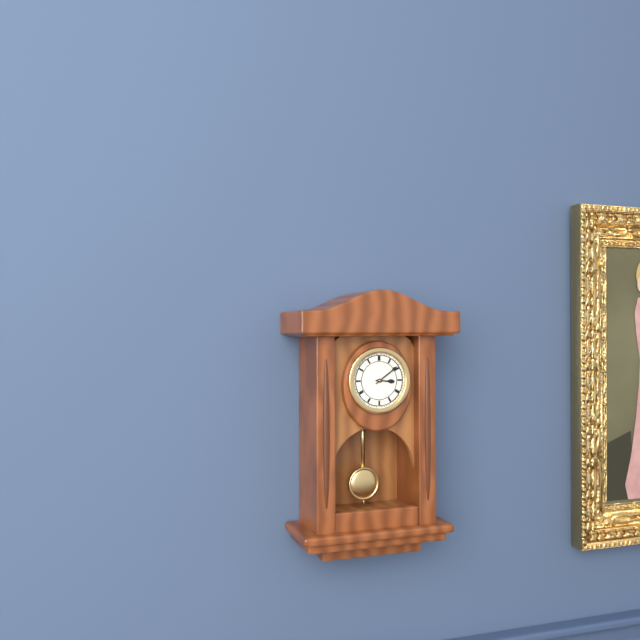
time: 3:09
